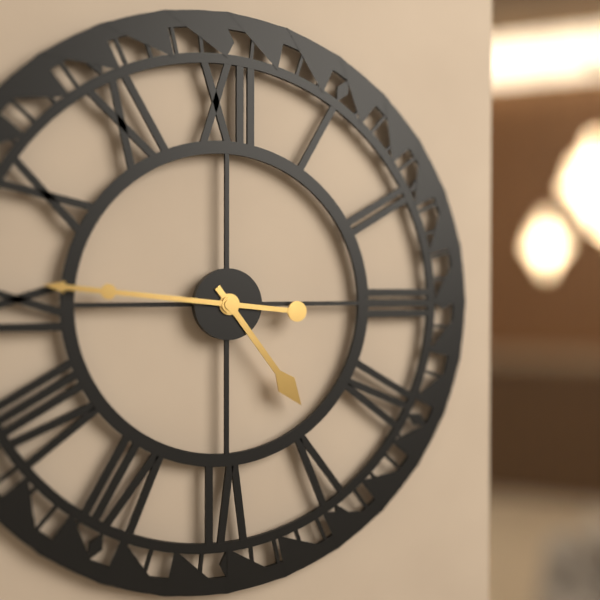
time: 4:46
